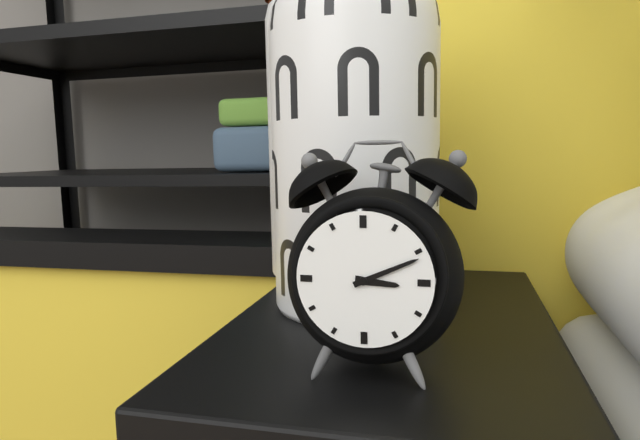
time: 3:11
